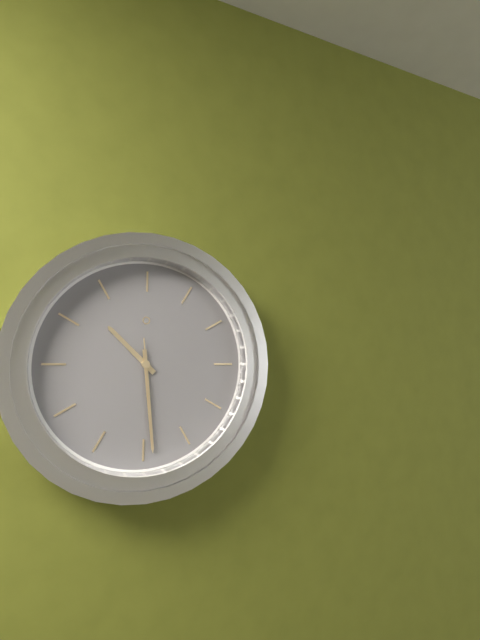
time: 10:29:29
